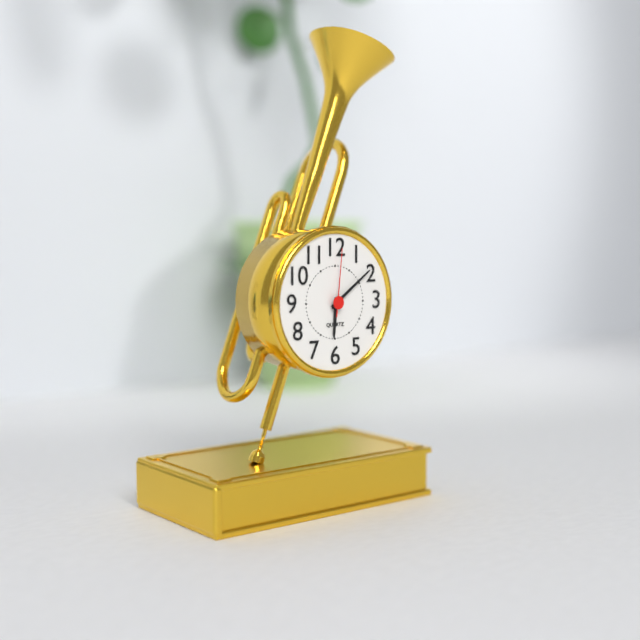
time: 6:09:01
